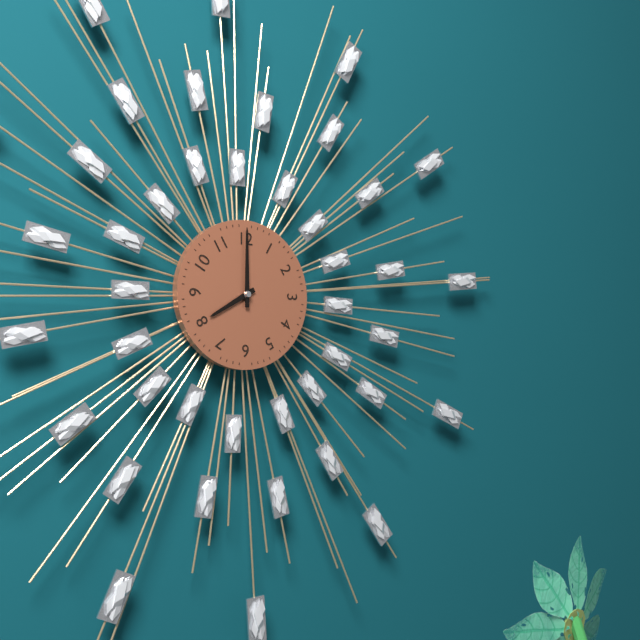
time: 8:00
